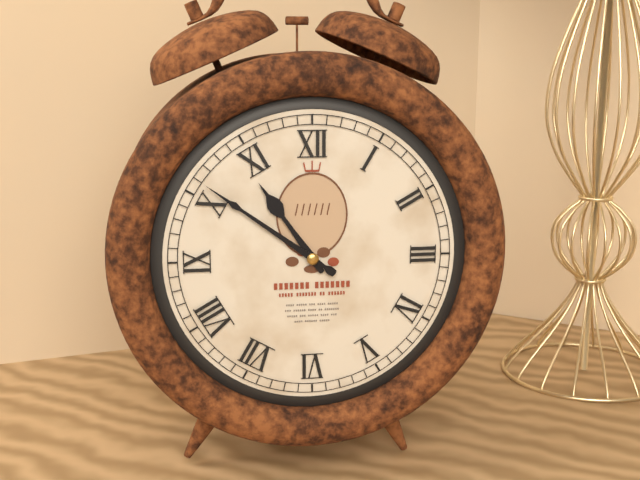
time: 10:51
